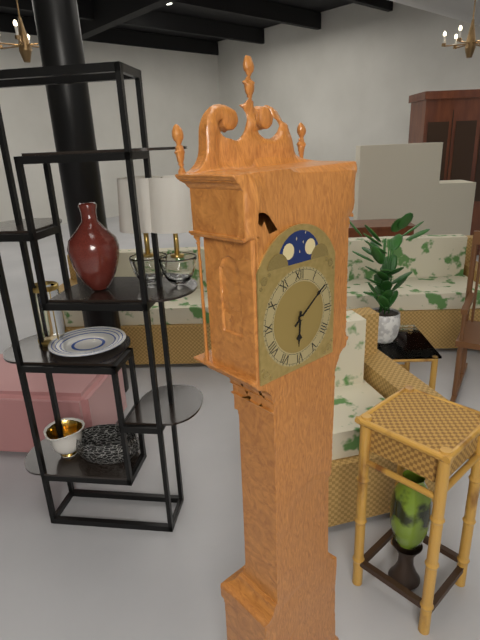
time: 6:09
